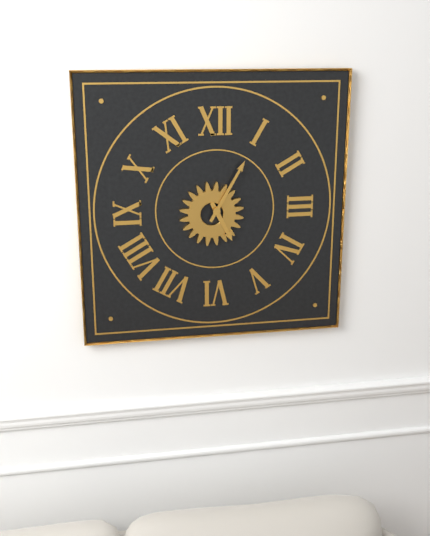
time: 5:05
